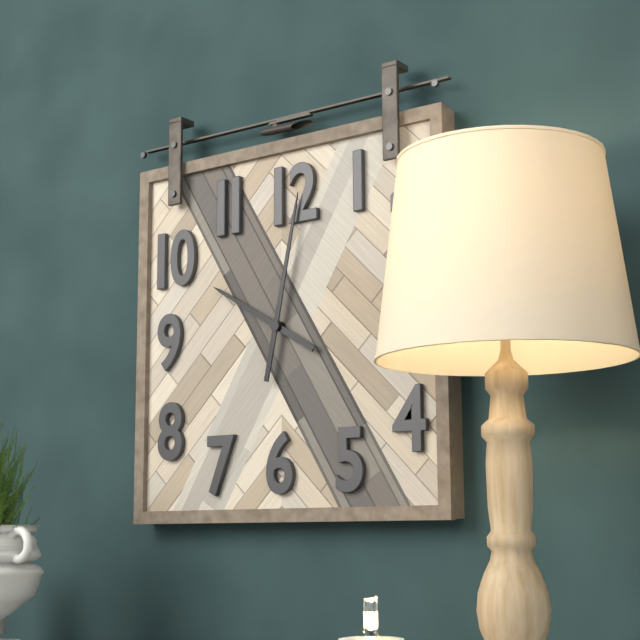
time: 10:02
